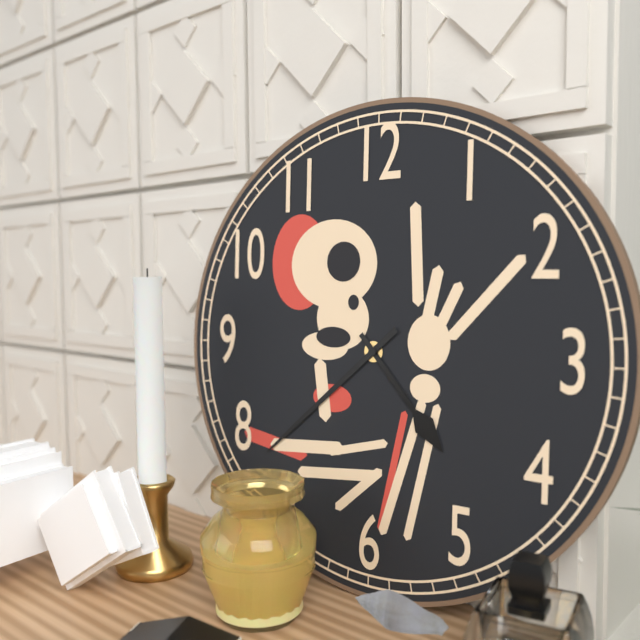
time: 4:38
